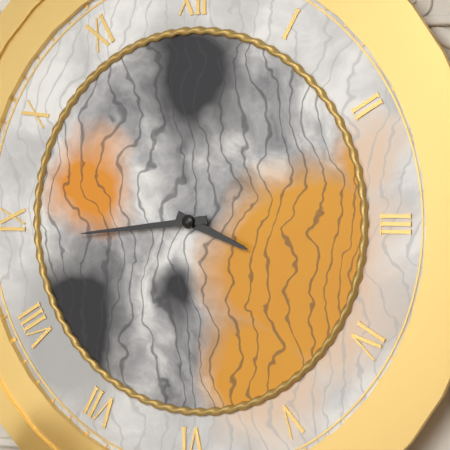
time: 3:44
